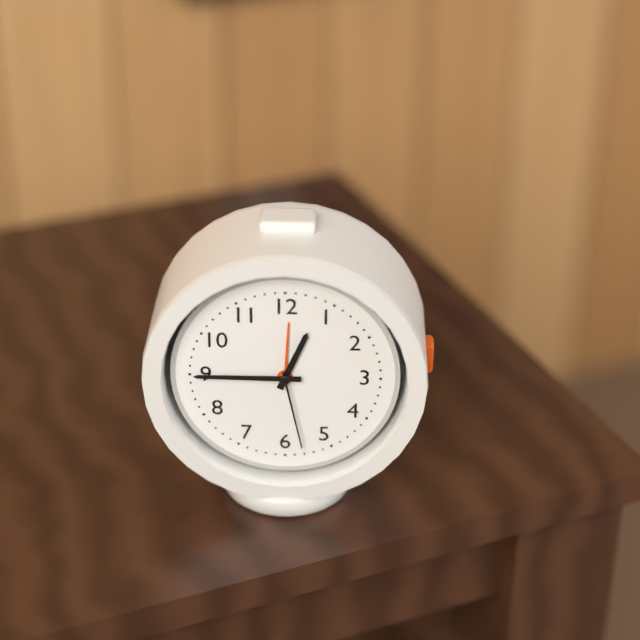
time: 12:45:28
